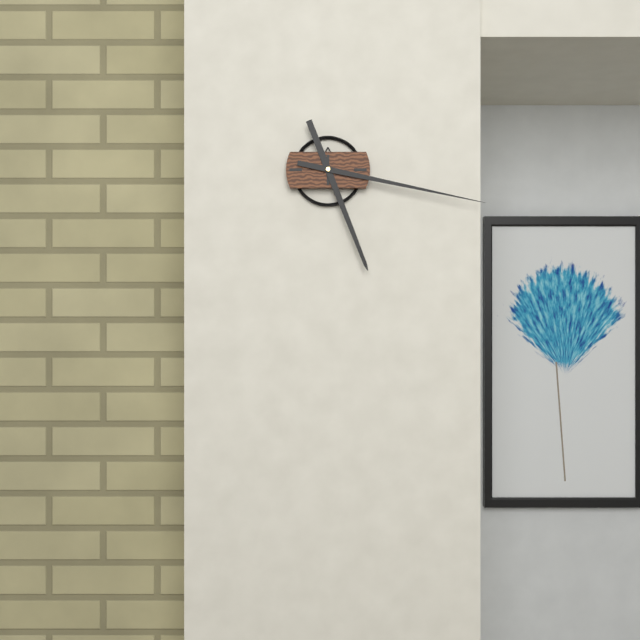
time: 5:17
